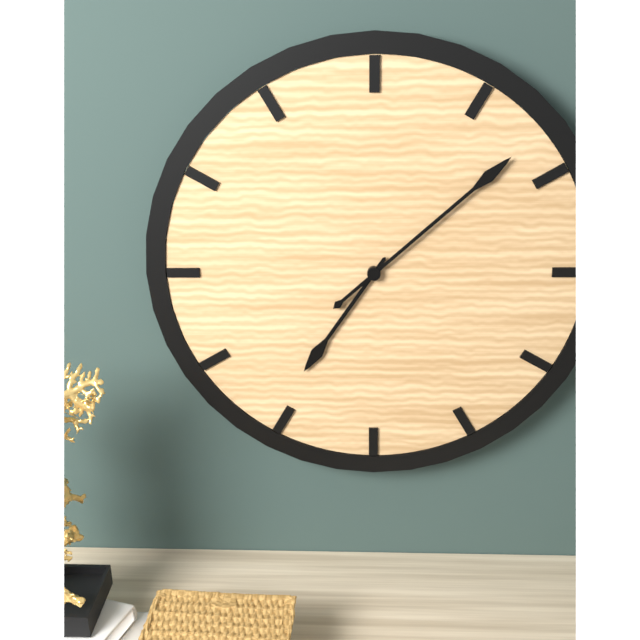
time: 7:08
